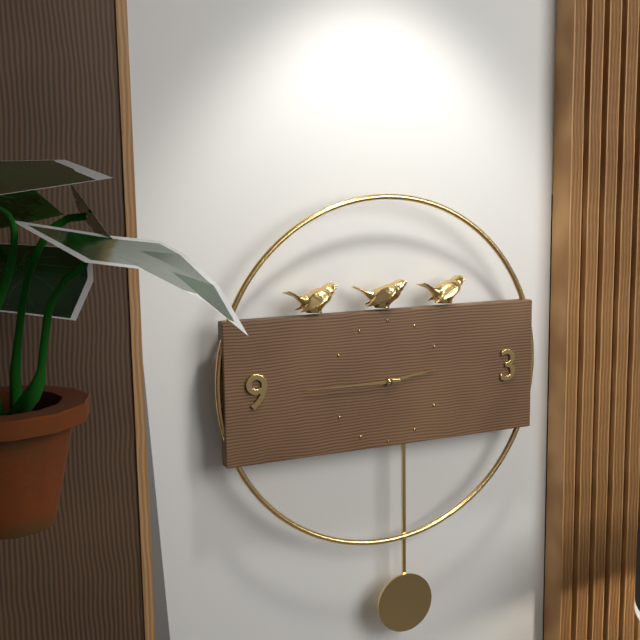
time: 2:45
